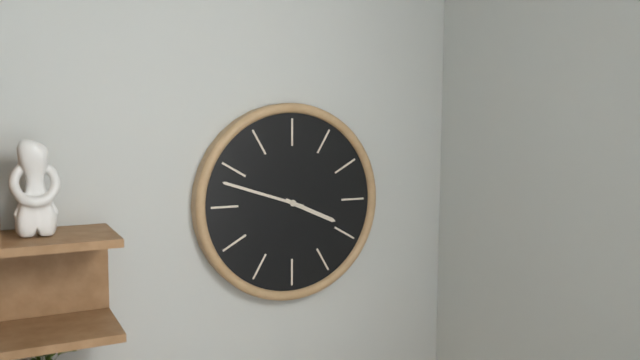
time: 3:48
